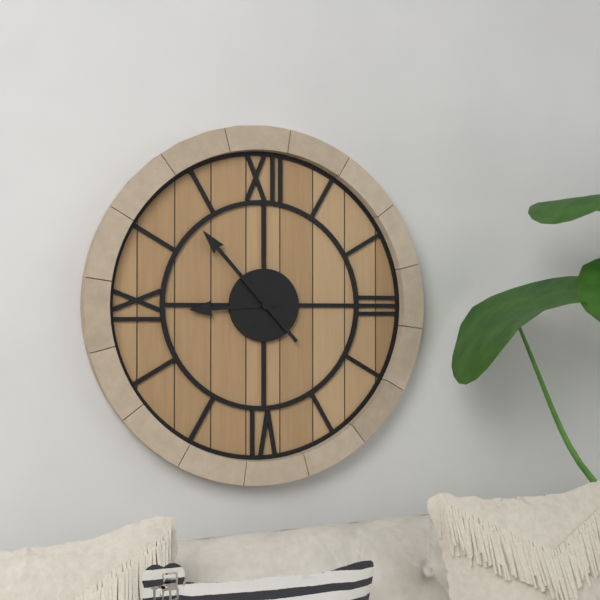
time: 8:53
